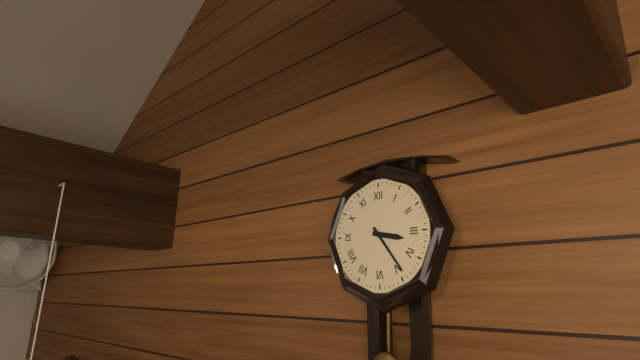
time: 3:24
